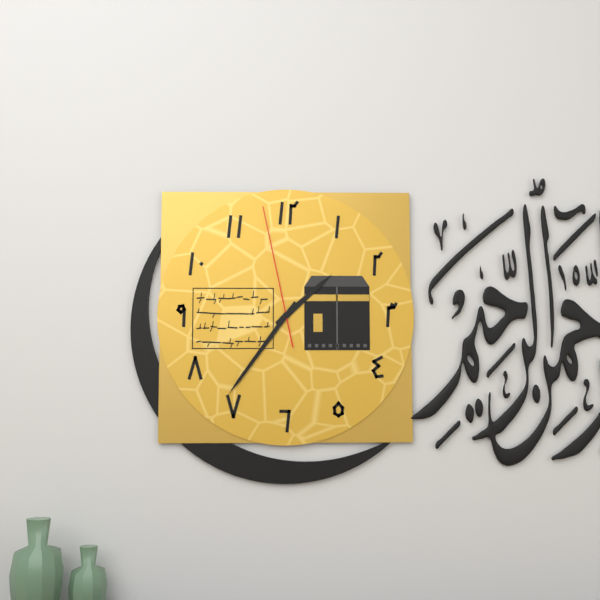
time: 1:36:58
